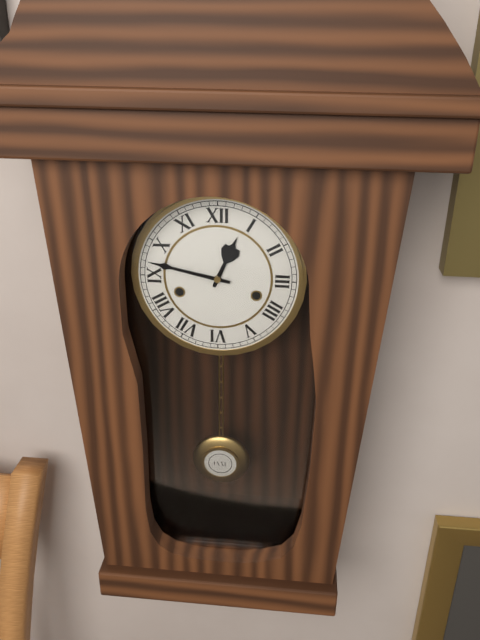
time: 12:47
